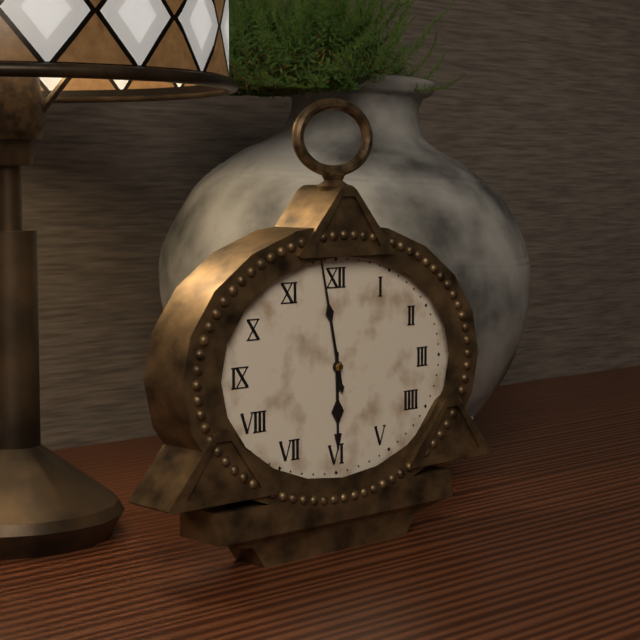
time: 5:58
